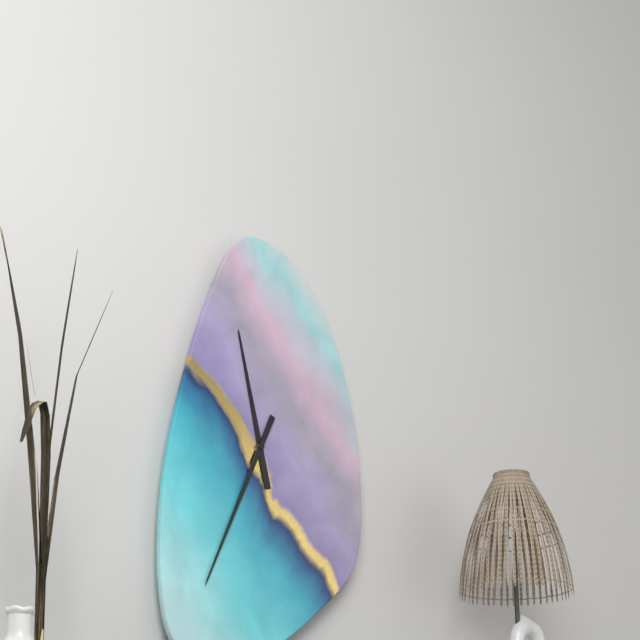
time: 11:34
